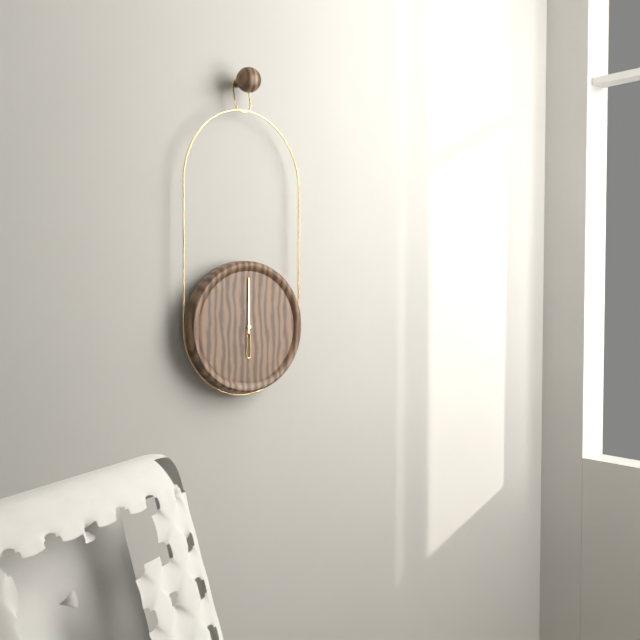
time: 6:00
